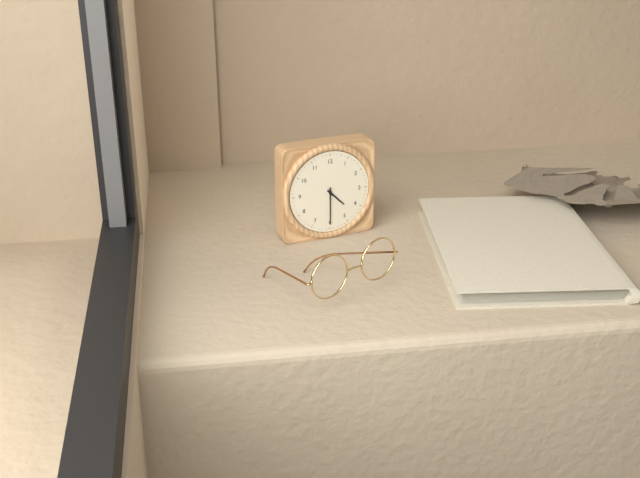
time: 4:30
